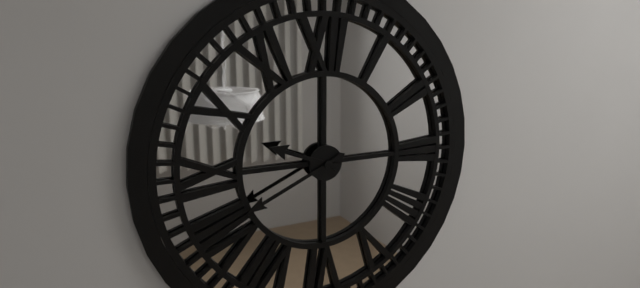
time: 9:41
